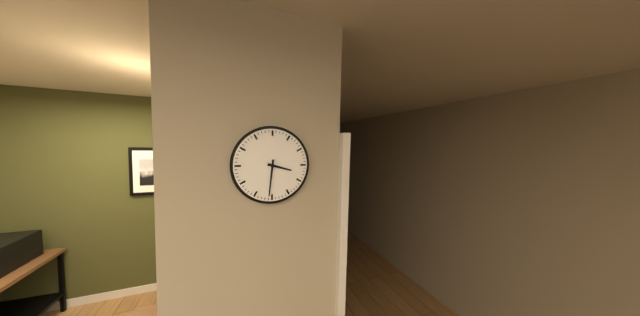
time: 3:31
